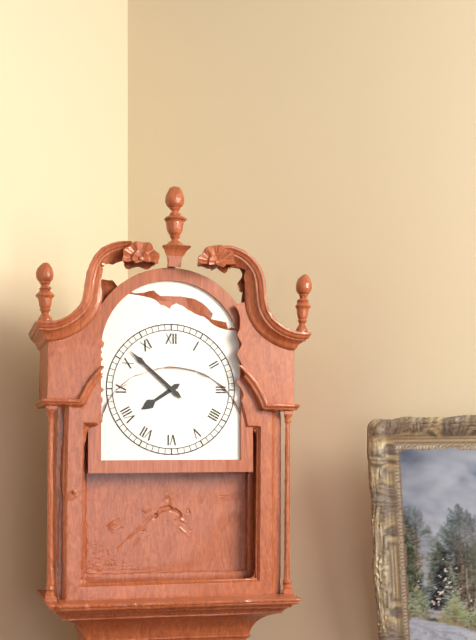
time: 7:52
